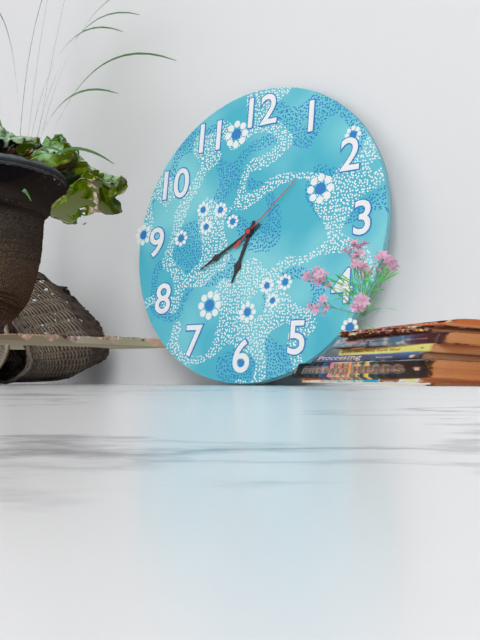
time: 6:40:08
